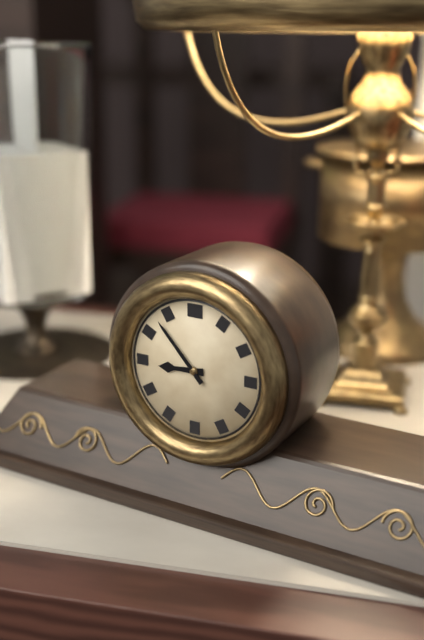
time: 8:53
